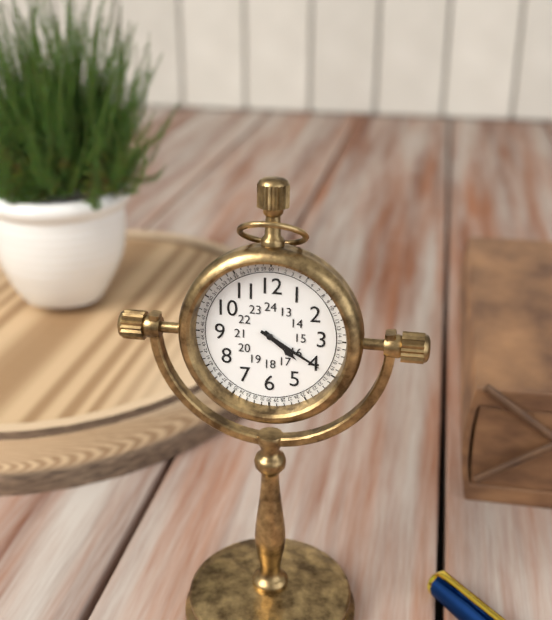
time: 4:20
